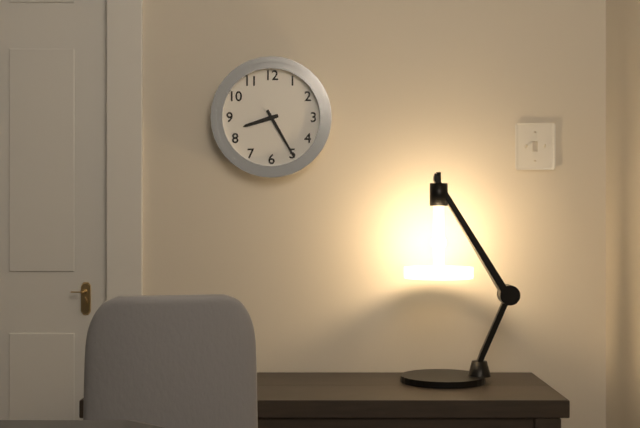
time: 8:25
